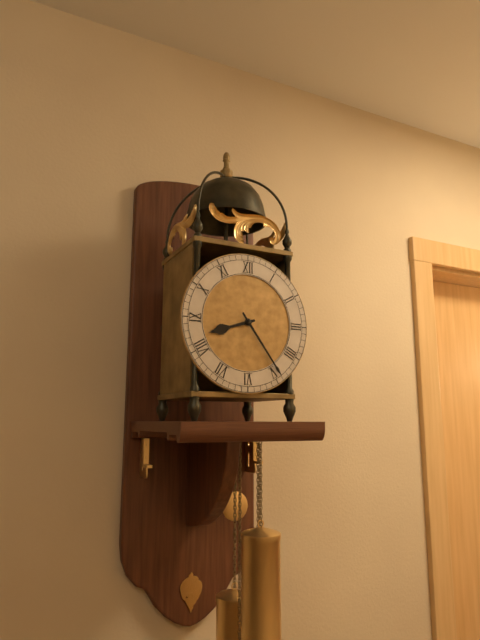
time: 8:24
